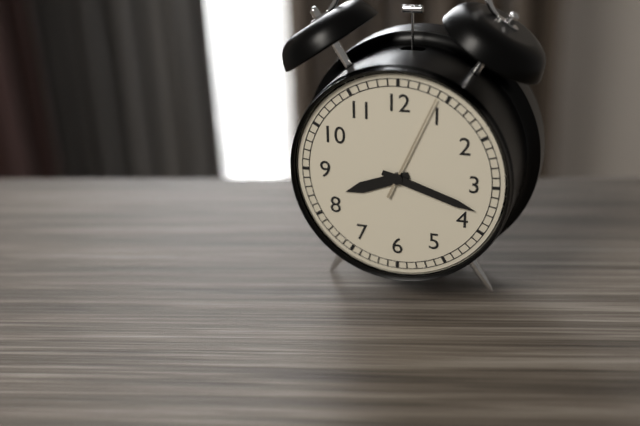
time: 8:18:04
